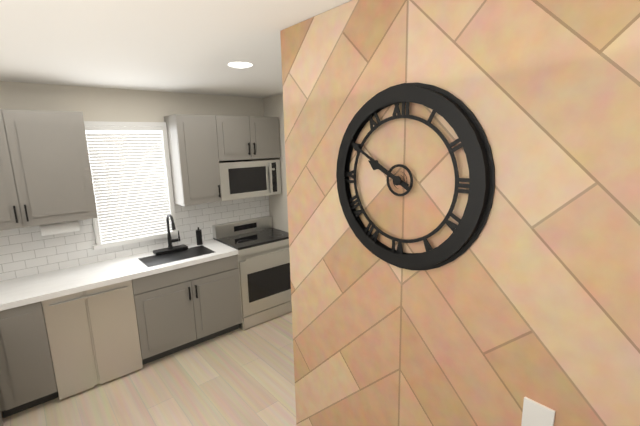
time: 9:50
